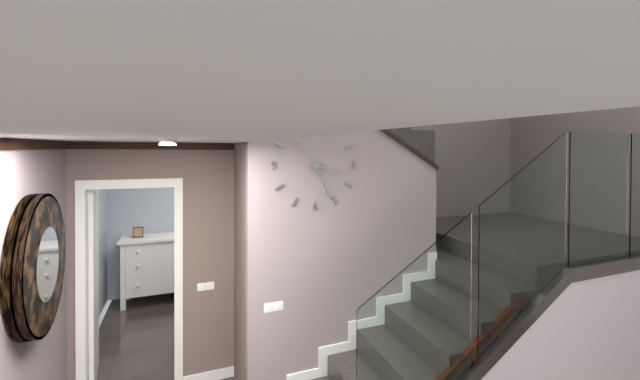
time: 3:26
